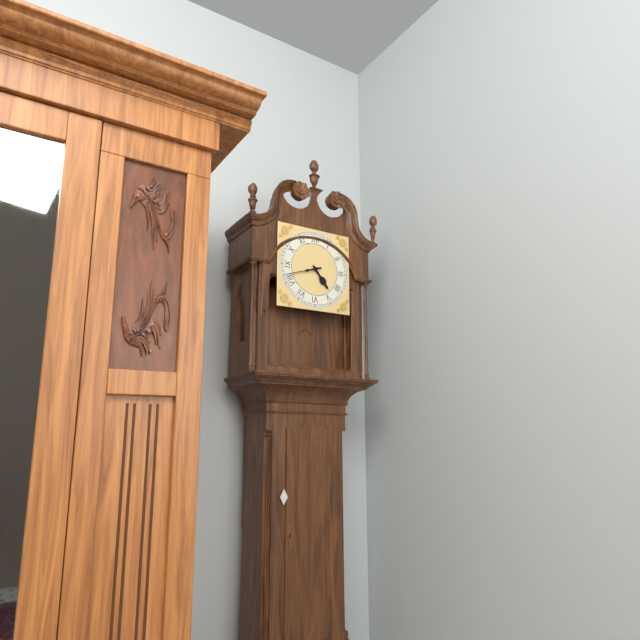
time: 4:42
